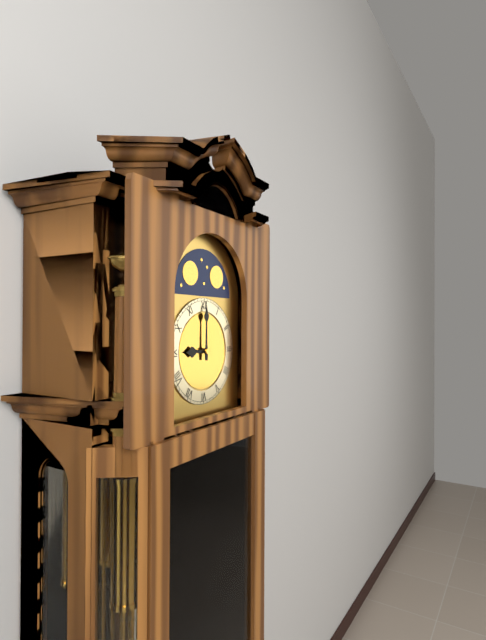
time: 9:00
